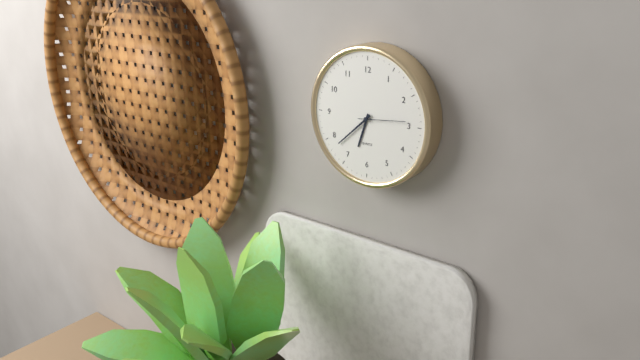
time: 6:38
